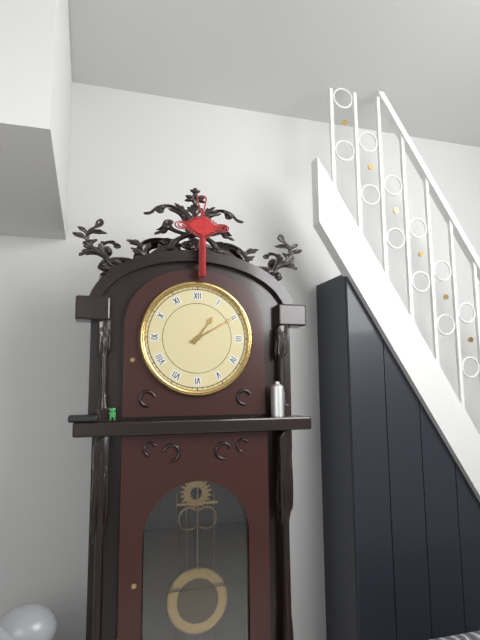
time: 1:10
